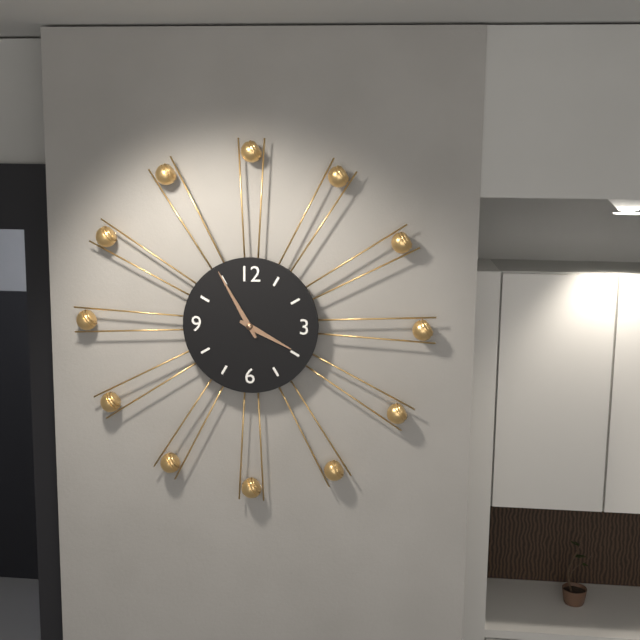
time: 3:55
